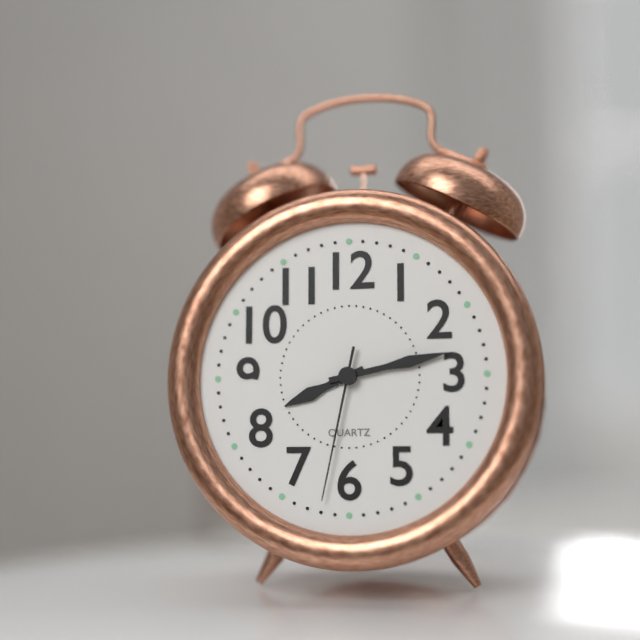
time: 8:13:32
